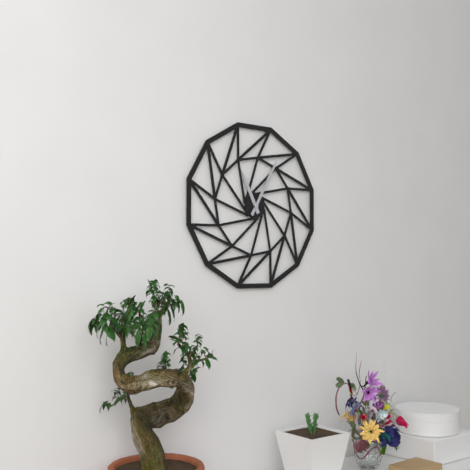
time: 11:05
